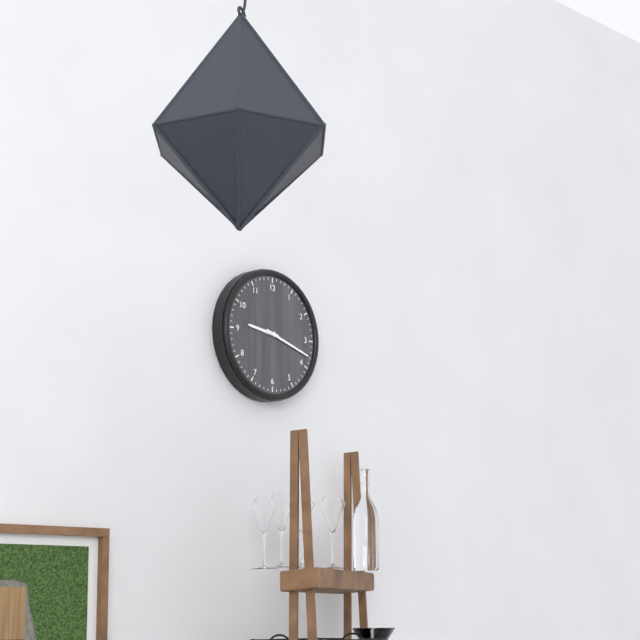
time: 9:18
